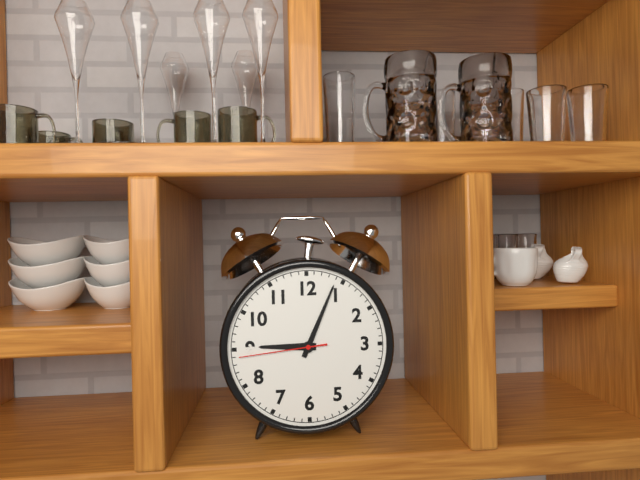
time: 9:04:44
